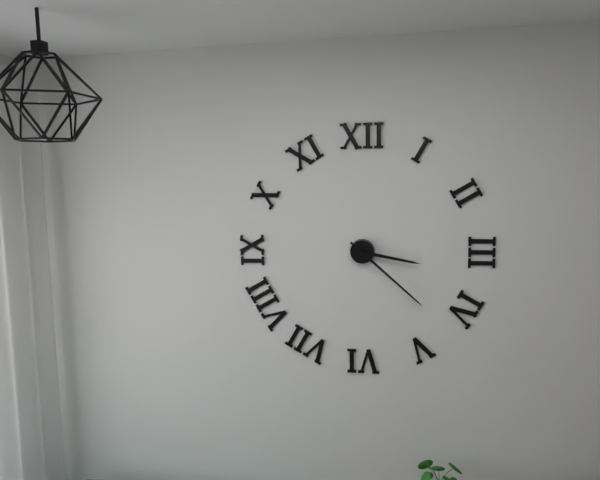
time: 3:22
